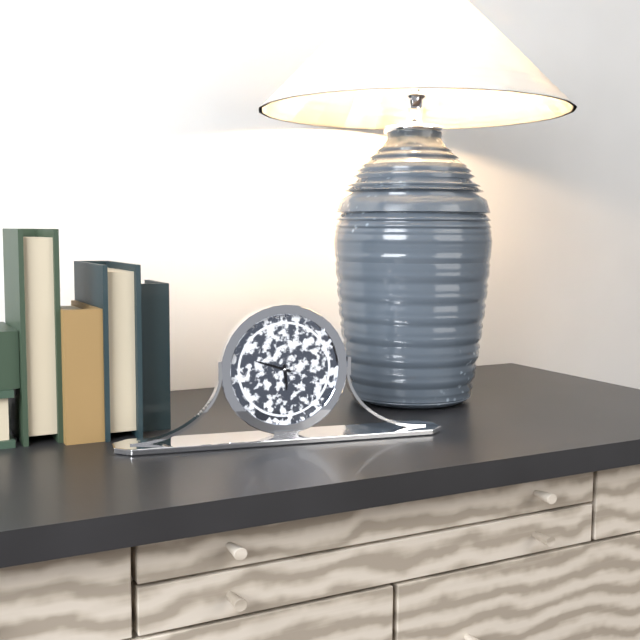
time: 5:48
